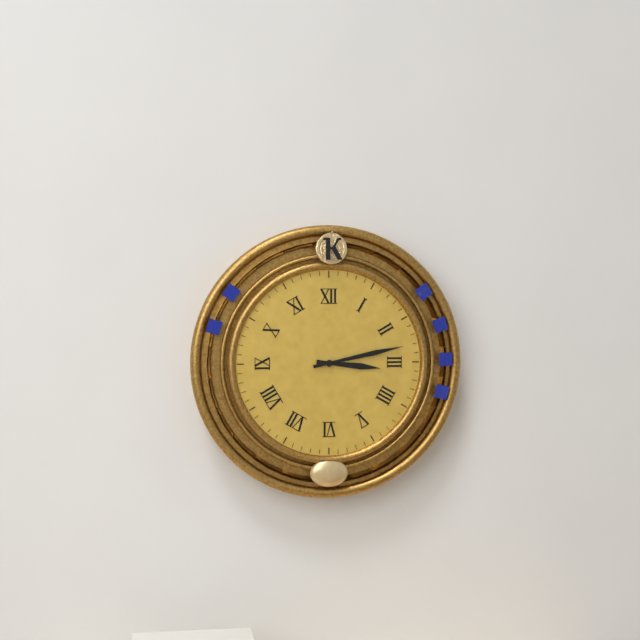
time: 3:13
